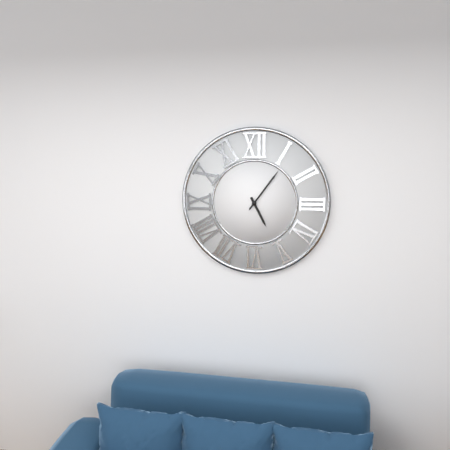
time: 5:06
